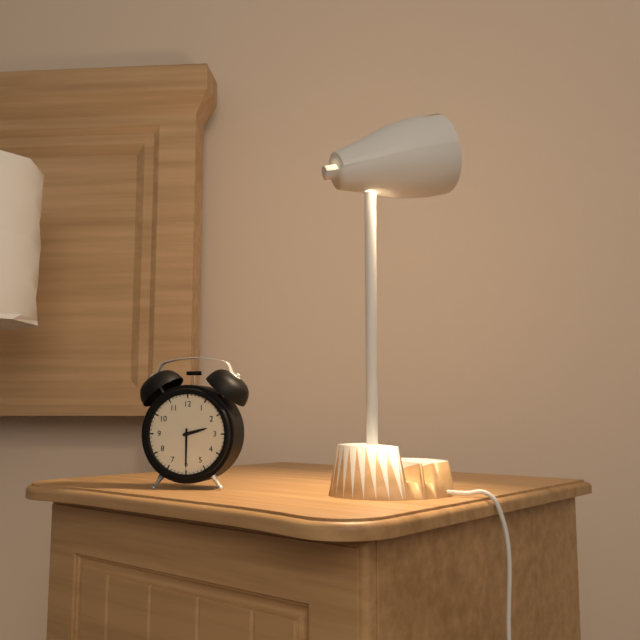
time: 2:30
